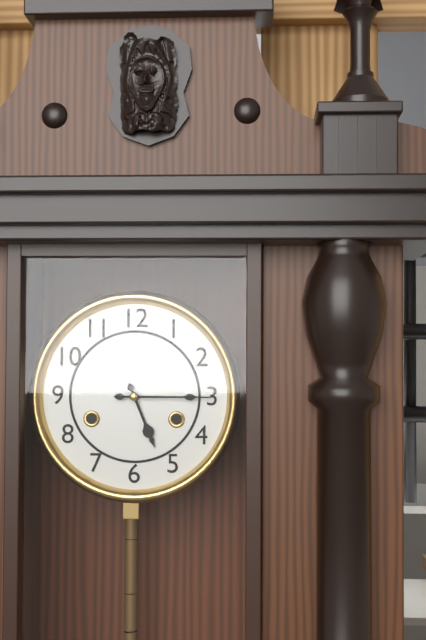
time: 5:15
